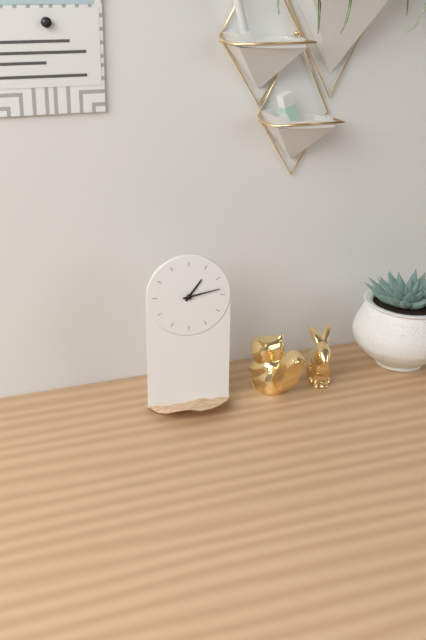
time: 1:13
